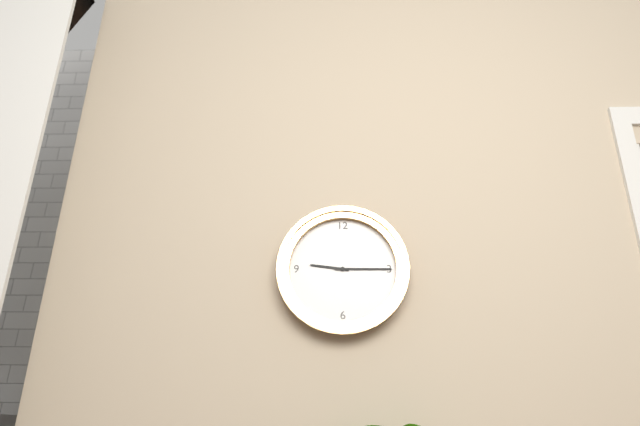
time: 9:15
